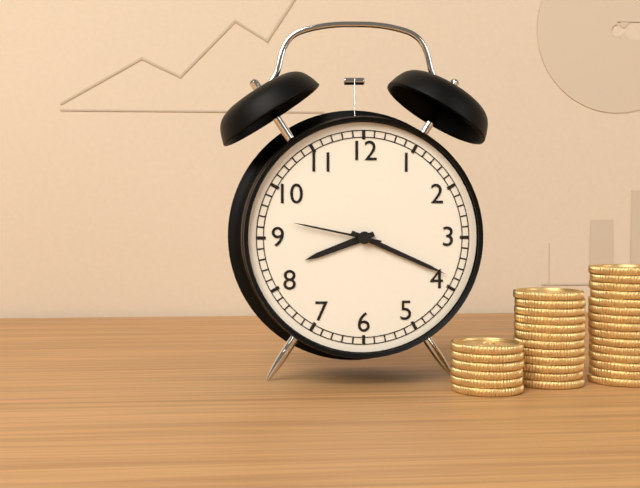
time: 8:19:47
